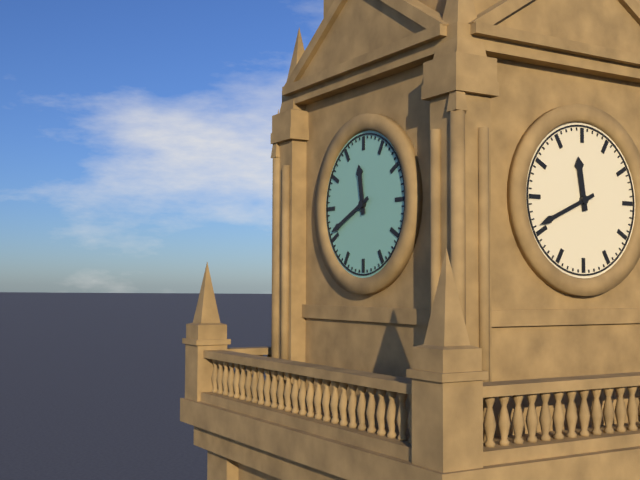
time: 11:41
